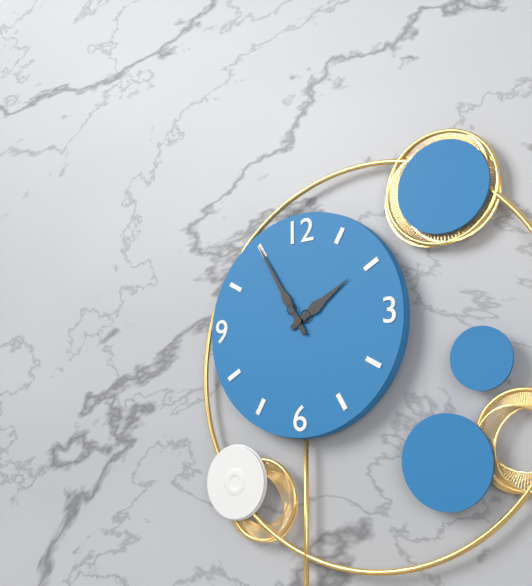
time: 1:55
